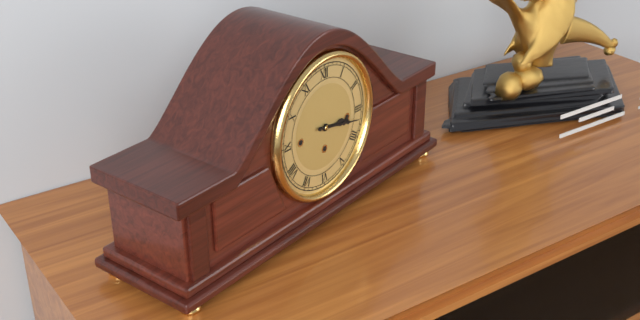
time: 3:17
